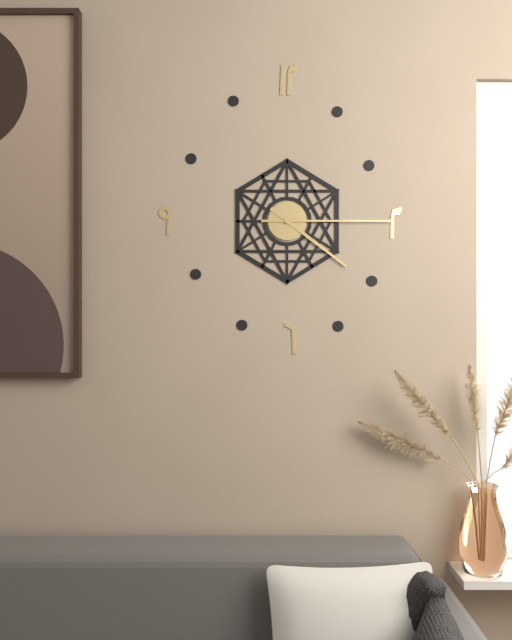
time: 4:15
